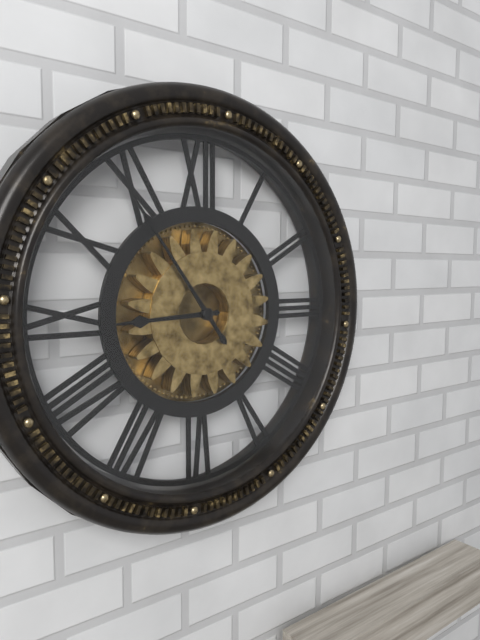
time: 8:54
